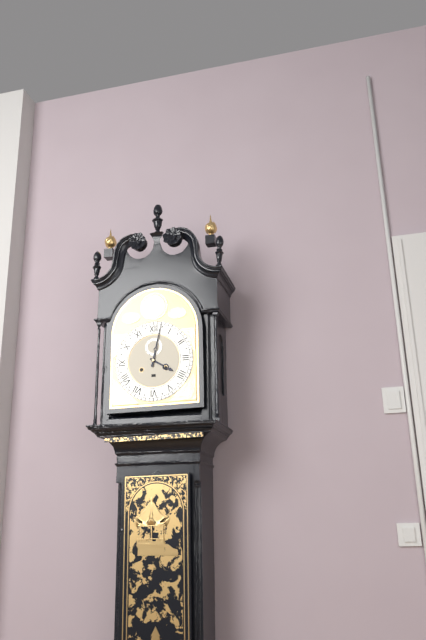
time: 4:02
